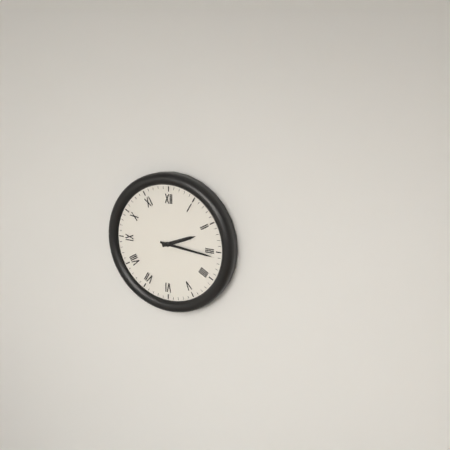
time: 2:16
